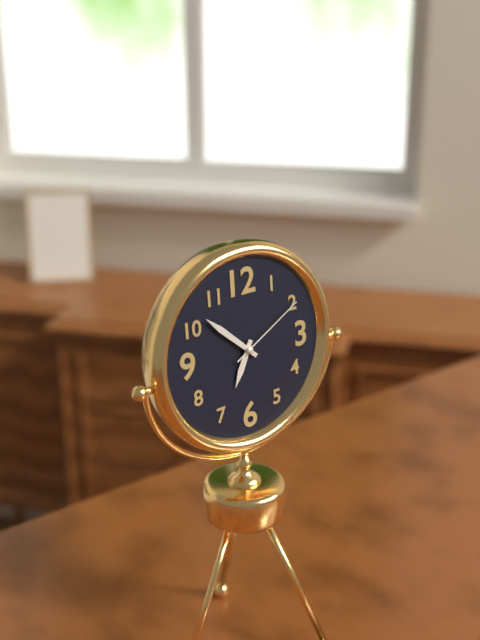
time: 6:52:10
